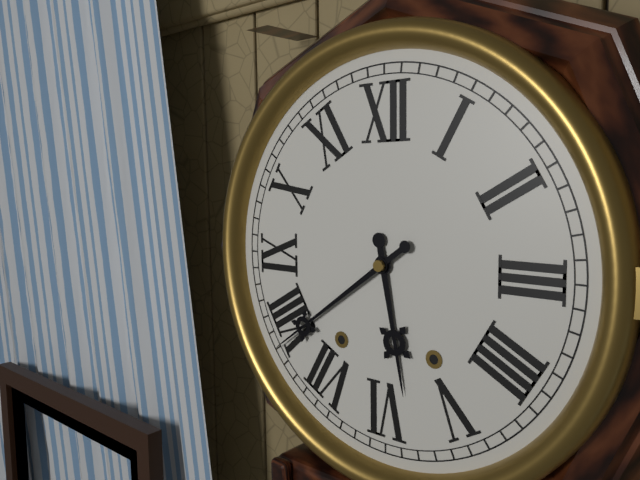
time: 5:39
